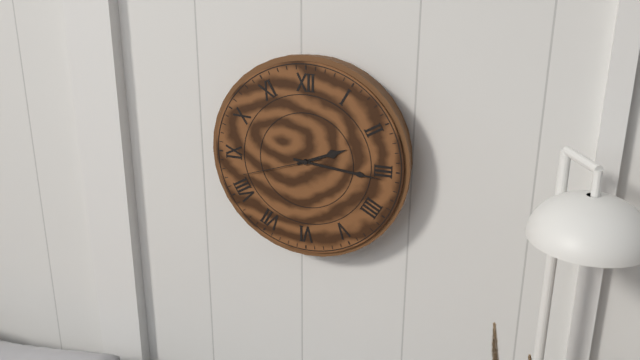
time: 2:16:42
